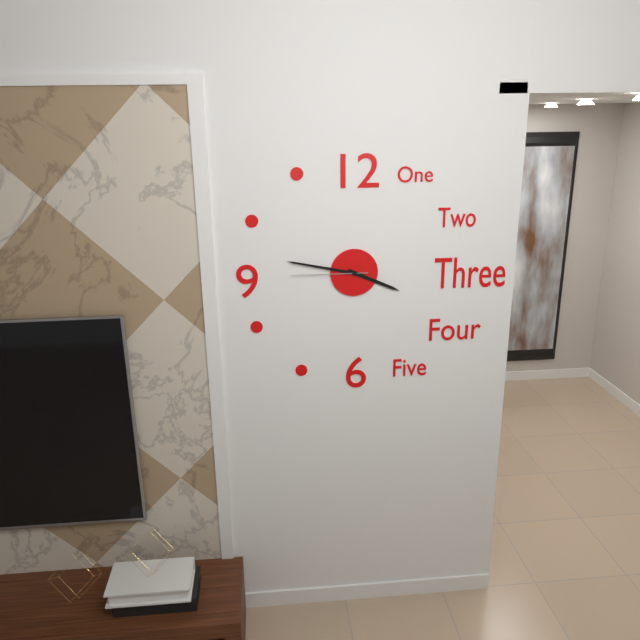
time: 3:47:45
